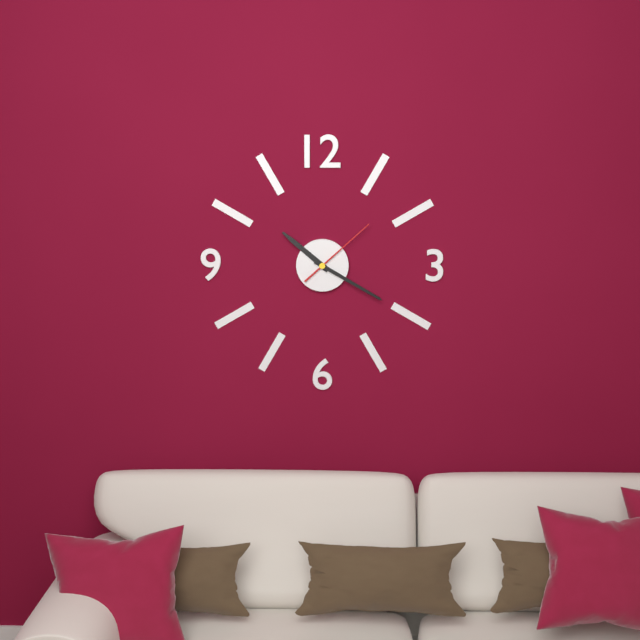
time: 10:20:08
